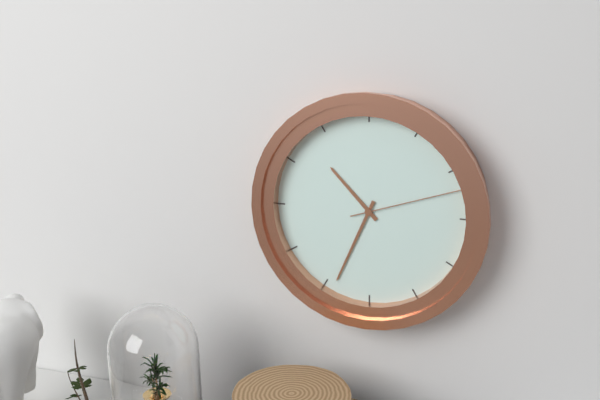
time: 10:34:12
